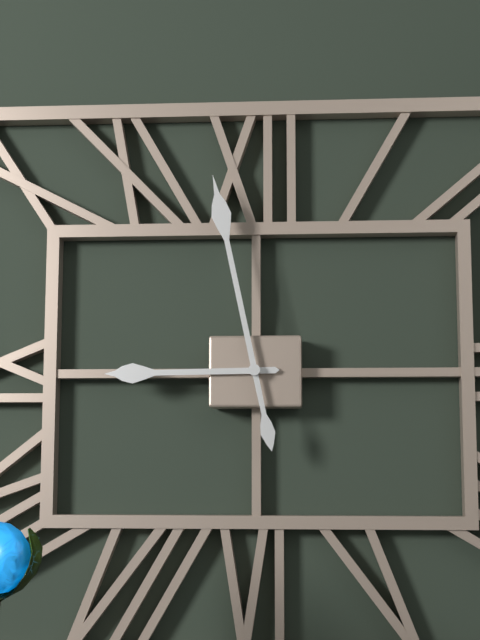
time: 8:58
